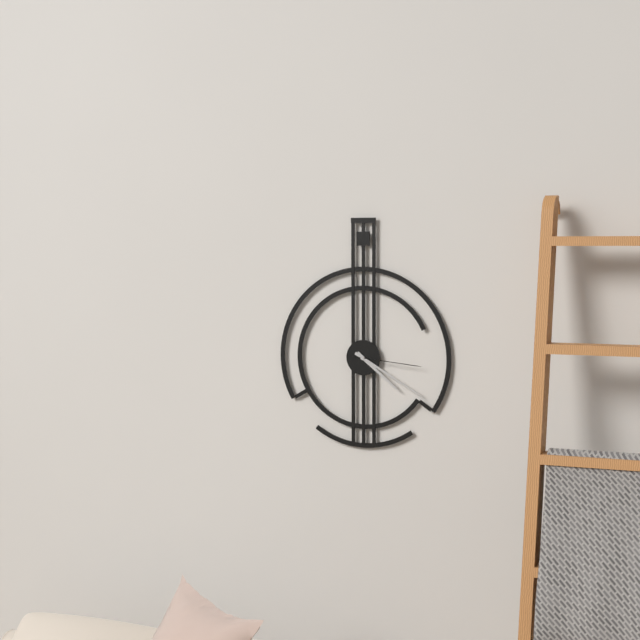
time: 4:20:16
